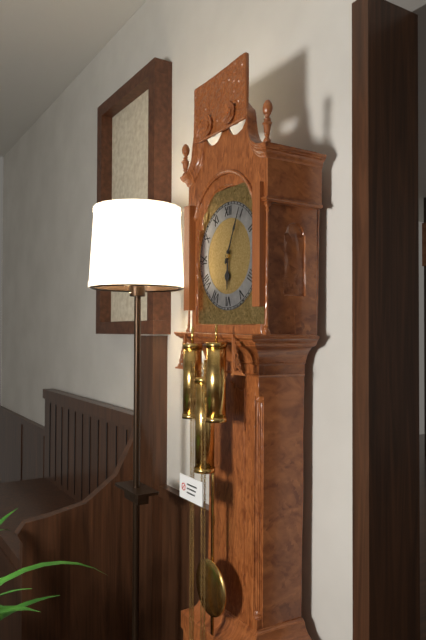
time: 6:04
